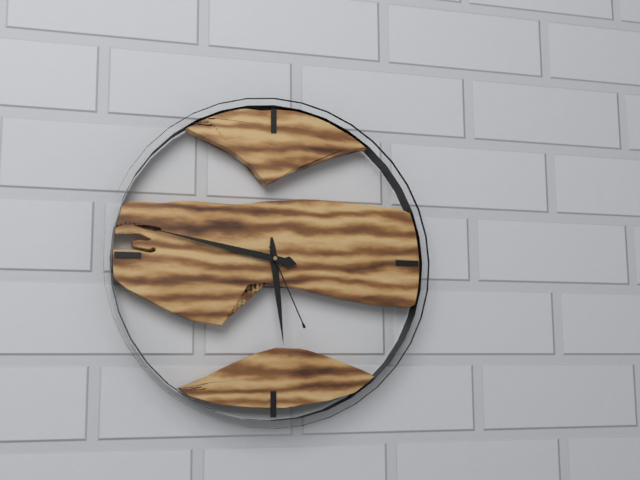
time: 5:47:26
